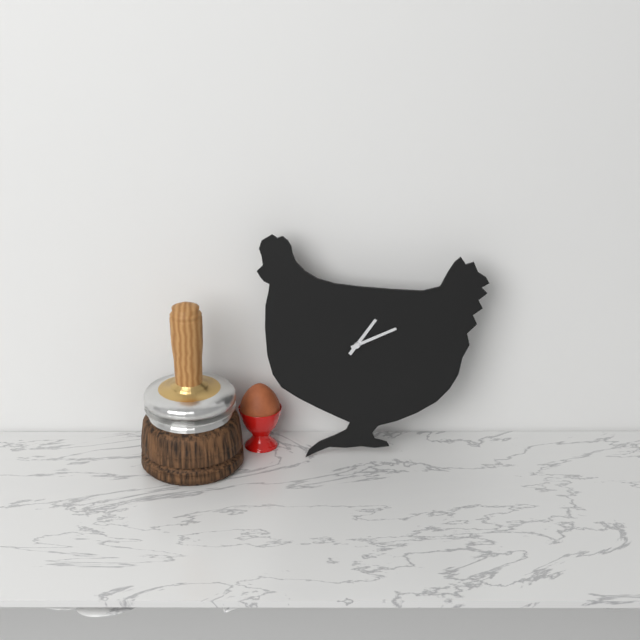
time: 1:11
